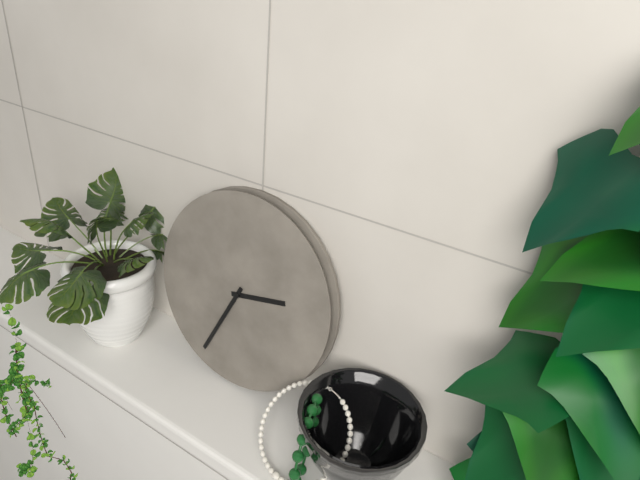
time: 2:34
